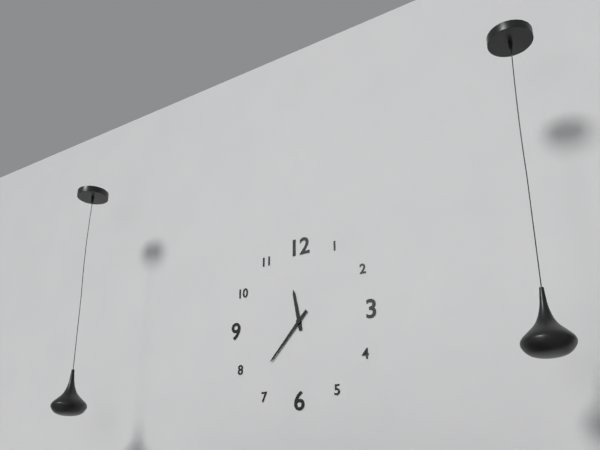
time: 11:37
